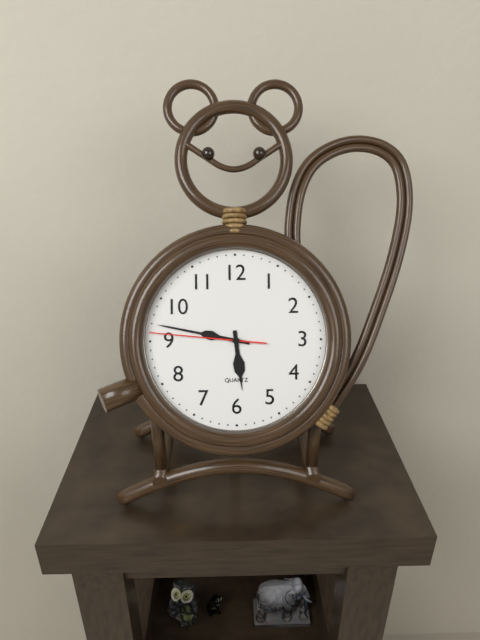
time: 5:47:46
